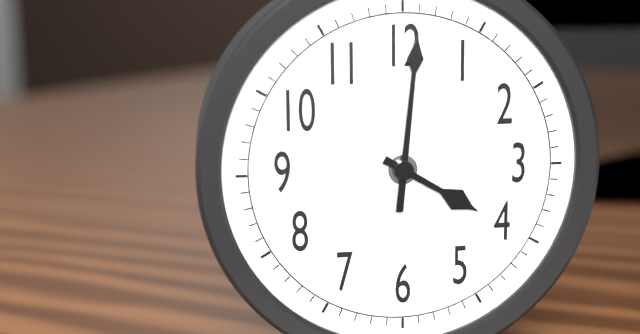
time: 4:01
